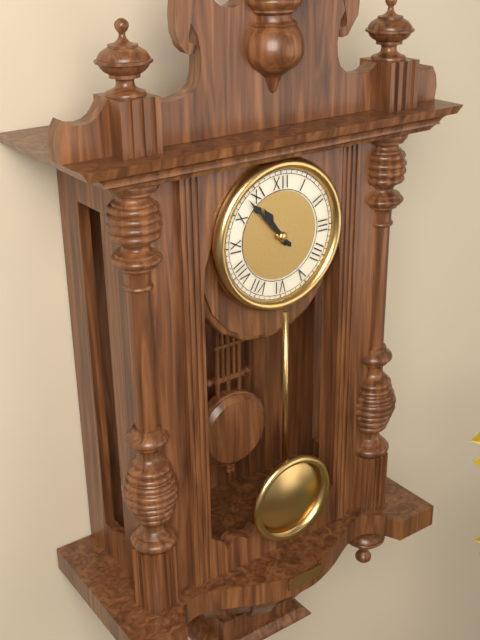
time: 10:53
